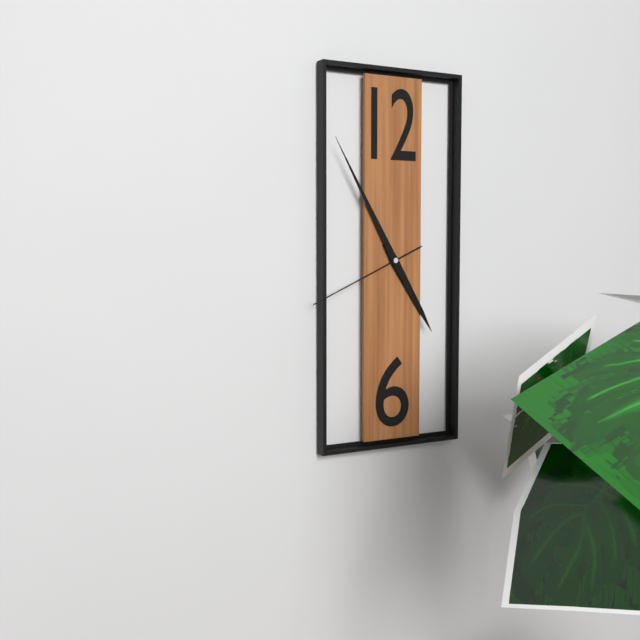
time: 4:55:41
